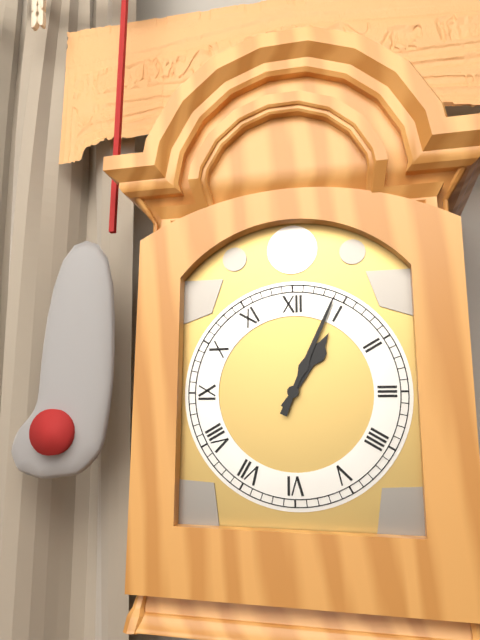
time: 1:04
